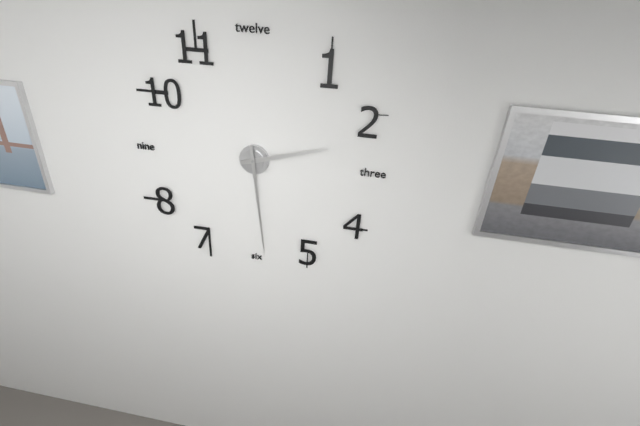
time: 2:29
